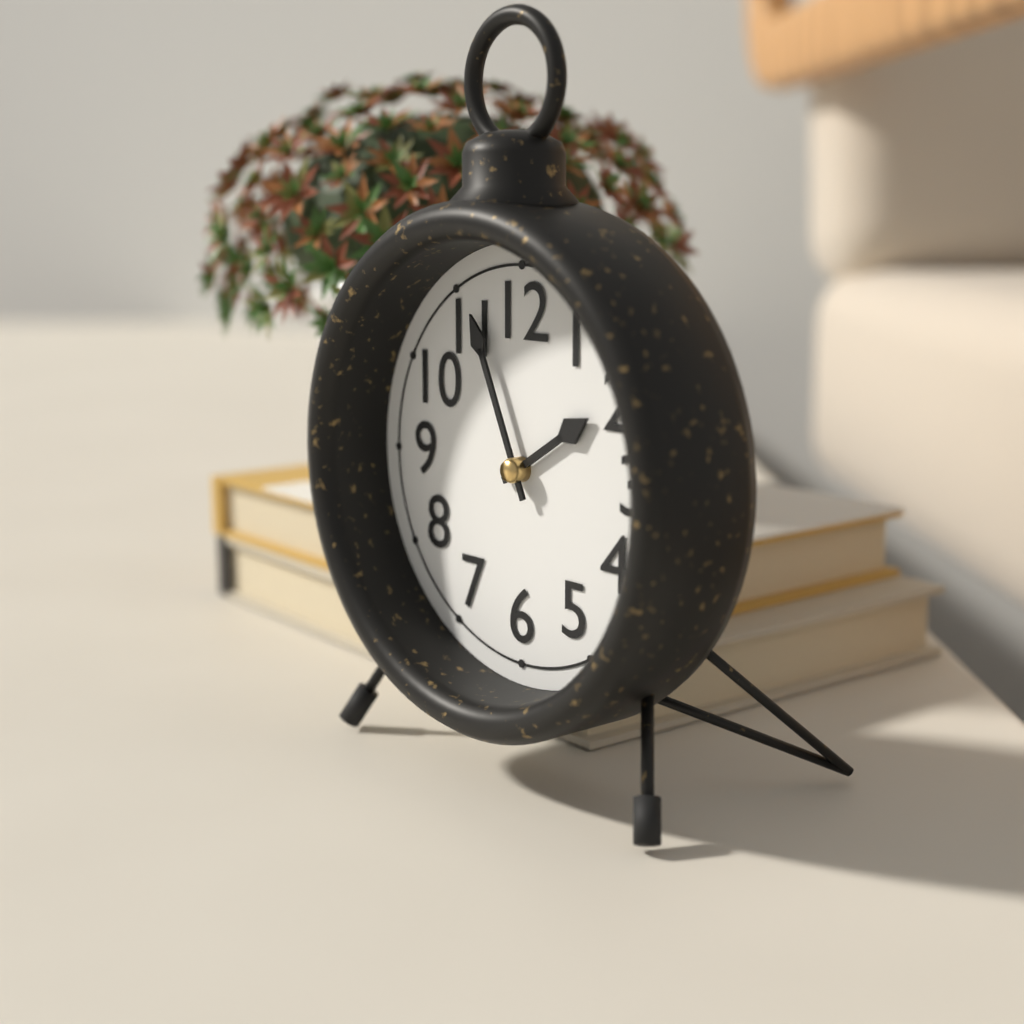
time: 1:56
